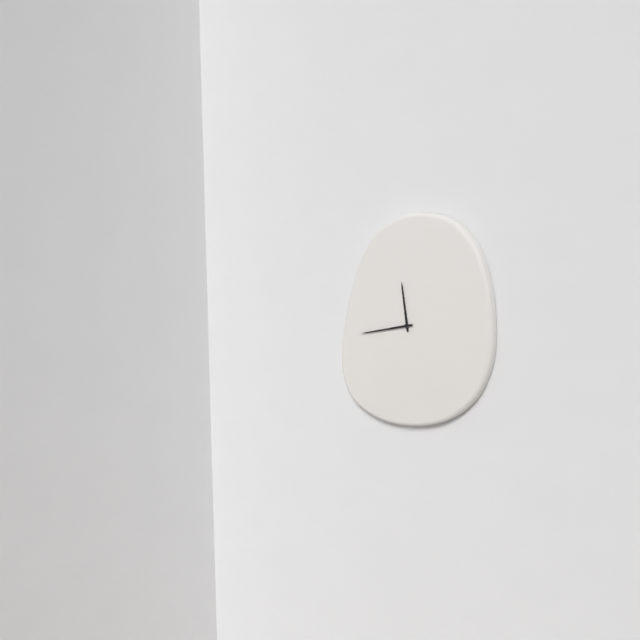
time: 11:43
